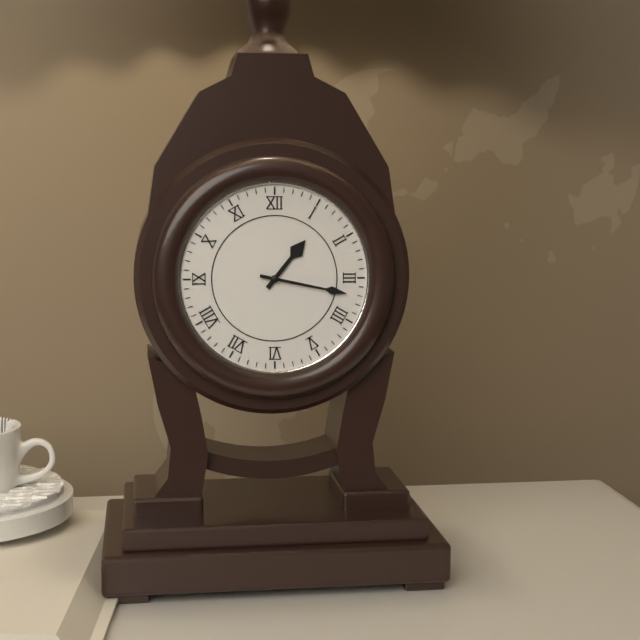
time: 1:17
